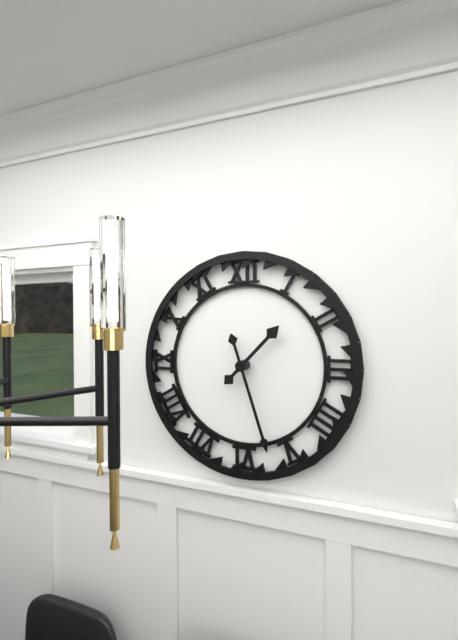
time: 1:27
